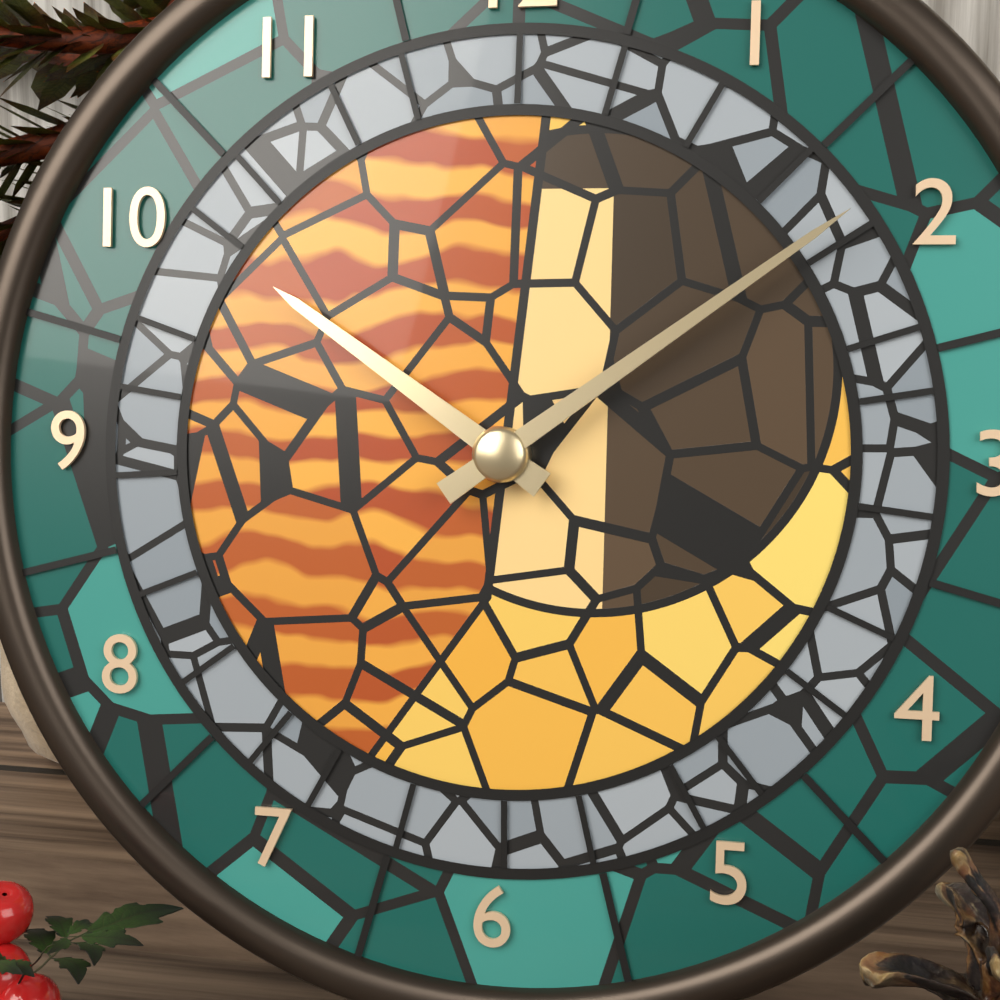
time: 10:09
